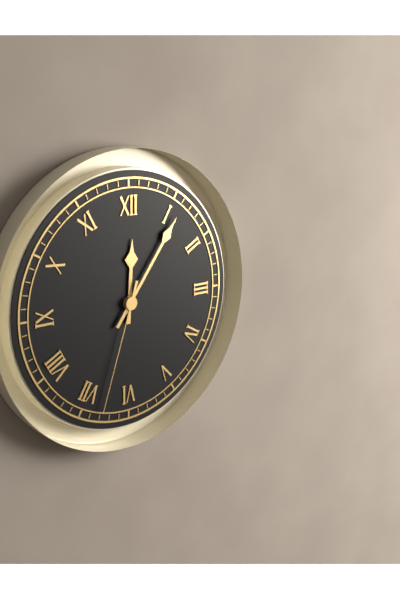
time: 12:06:33
